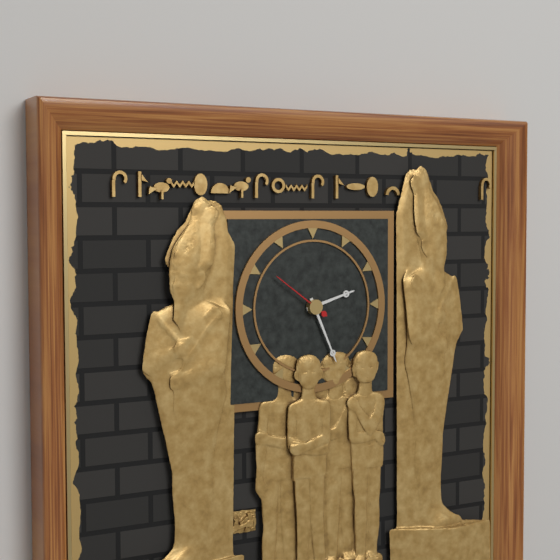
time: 2:26:51
